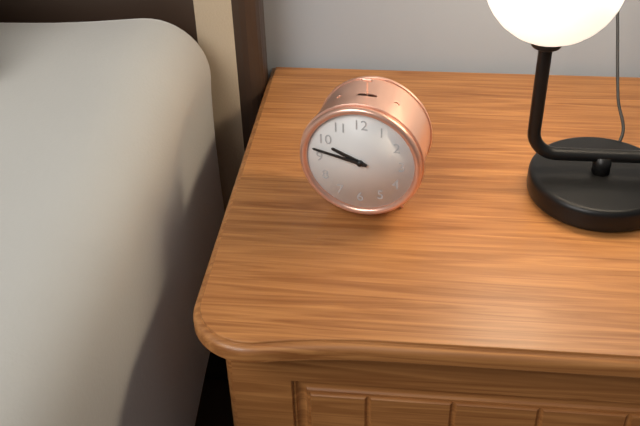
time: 9:47
